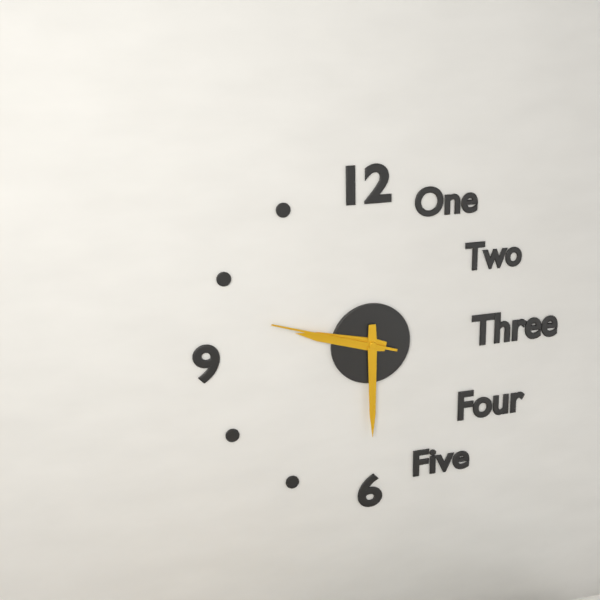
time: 9:30:48
